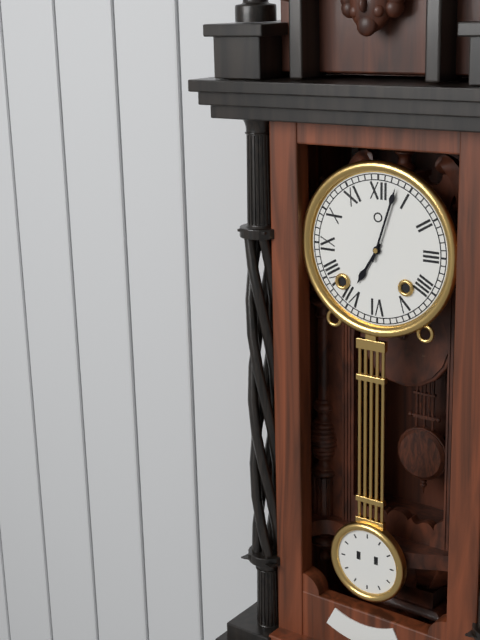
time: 7:03
